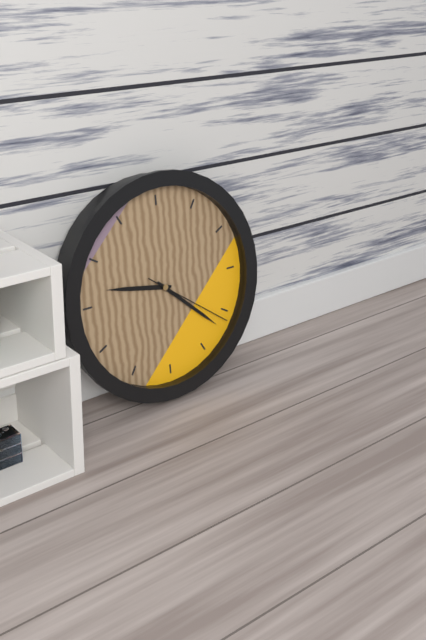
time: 9:22:21
